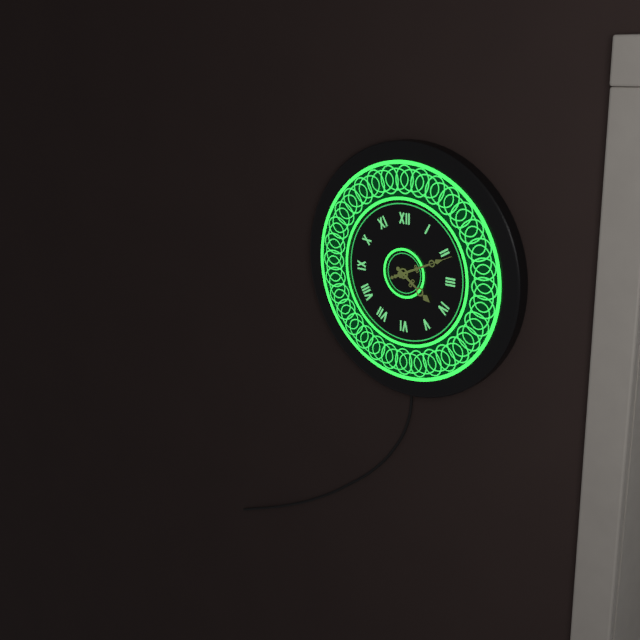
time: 4:11:11
